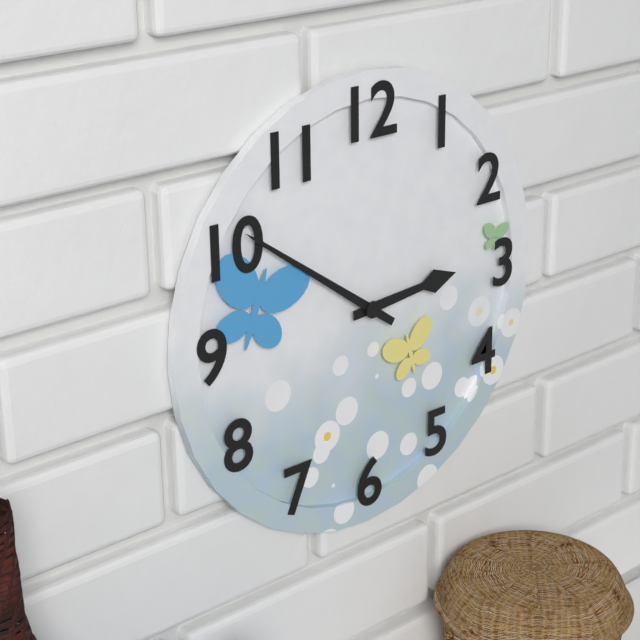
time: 2:51
